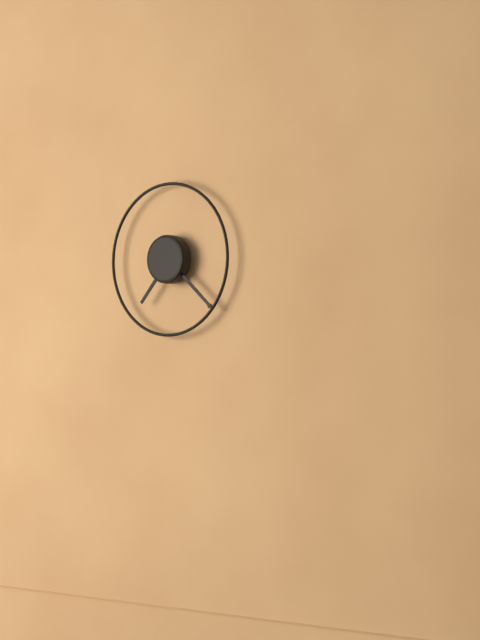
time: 7:22
